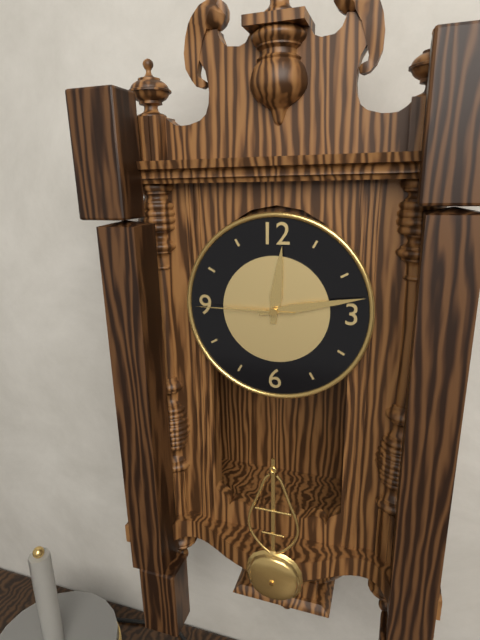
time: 12:13:45
